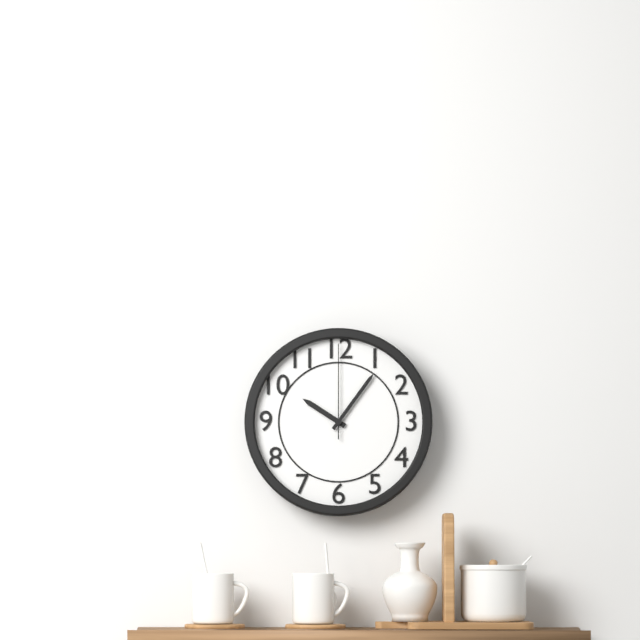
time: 10:06:00
